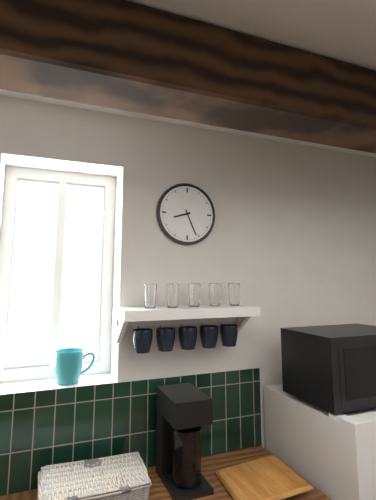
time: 8:26
